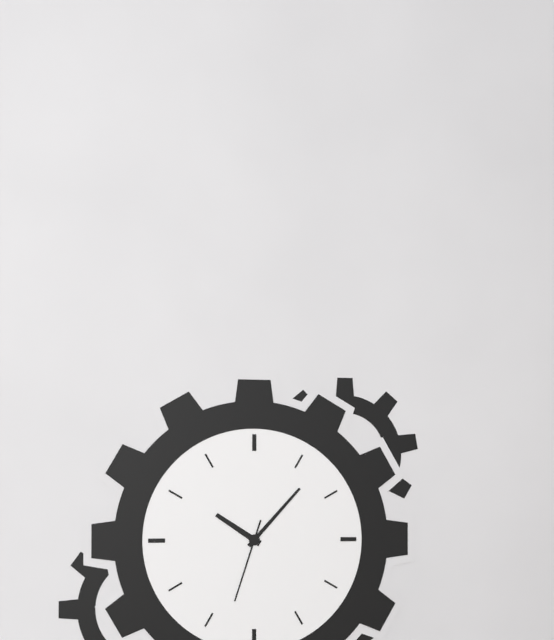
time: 10:07:33
